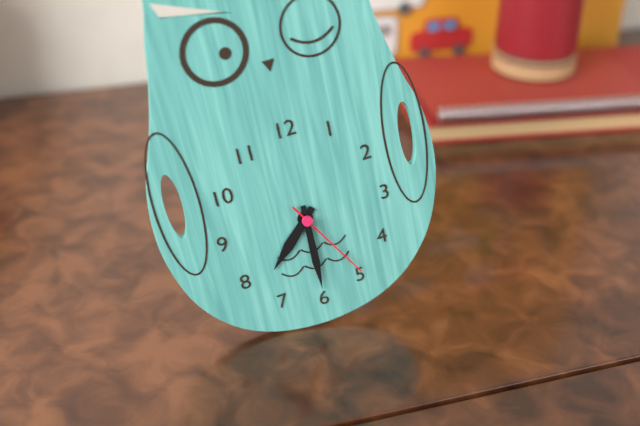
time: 7:30:25
